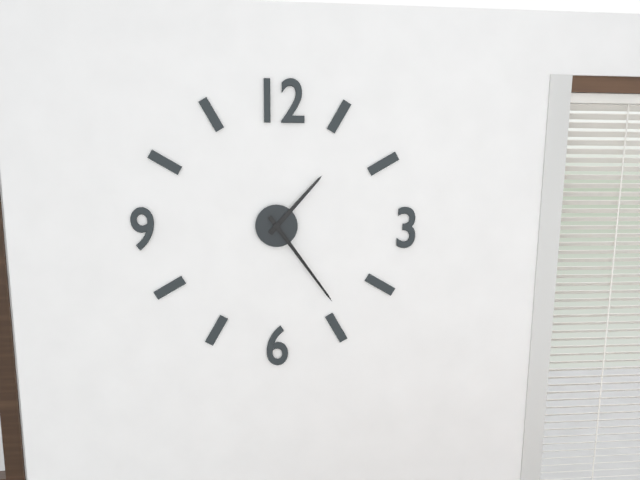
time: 1:24
